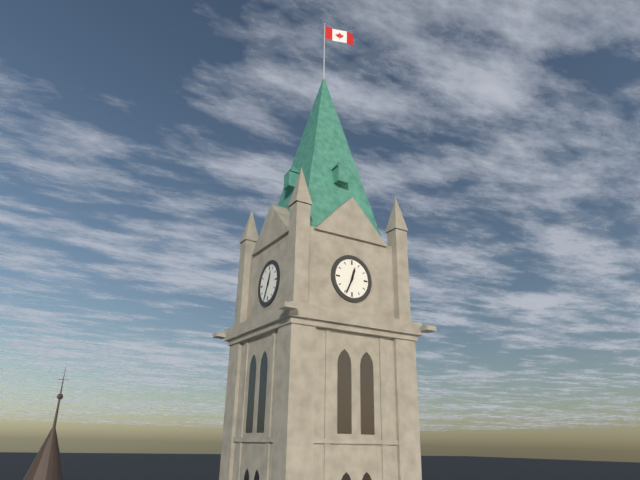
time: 12:34
